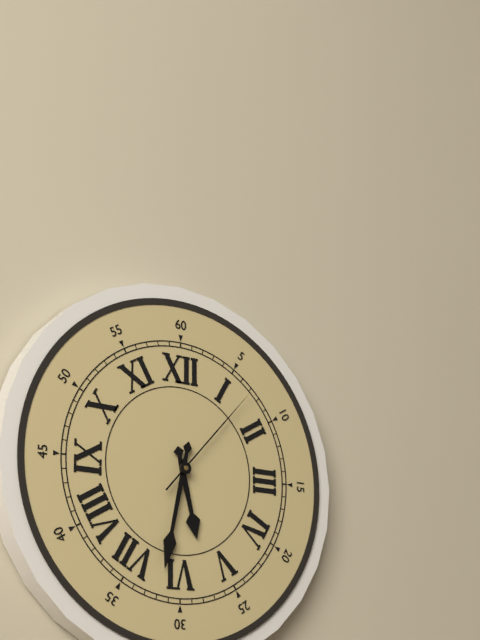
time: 5:32:07
